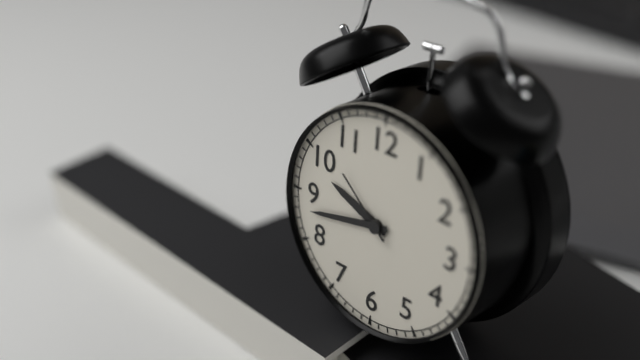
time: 9:43:52
